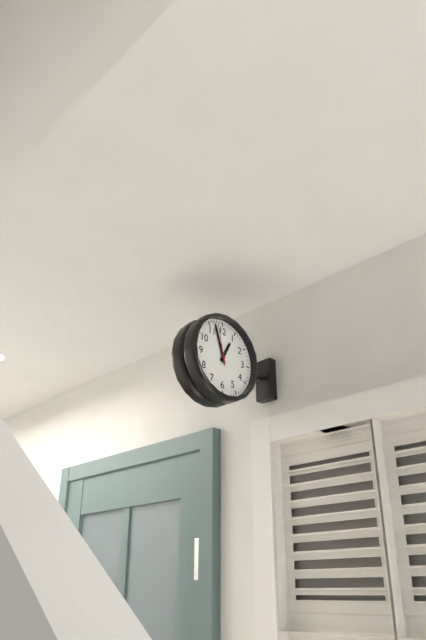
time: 12:57
